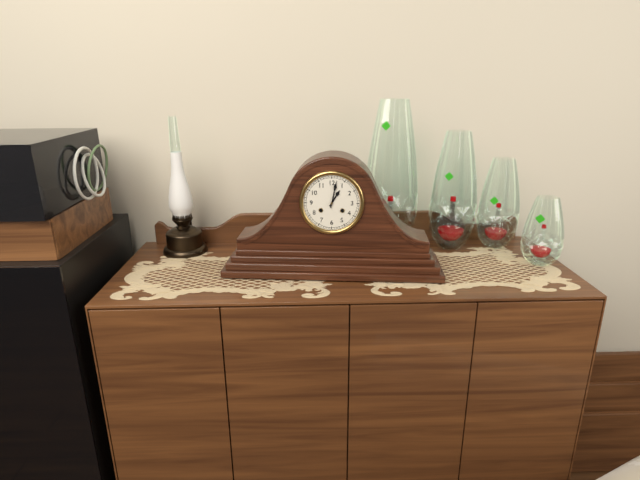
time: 1:02
